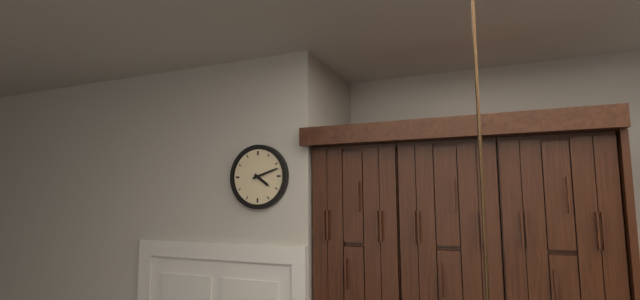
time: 4:12
